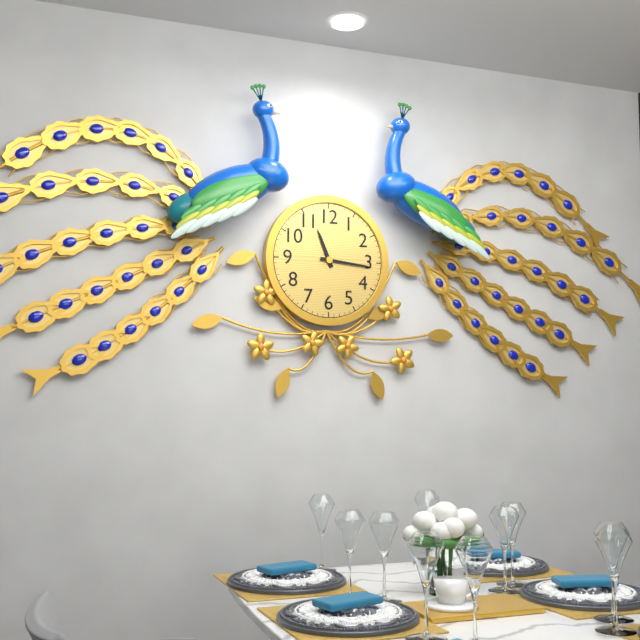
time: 11:16
